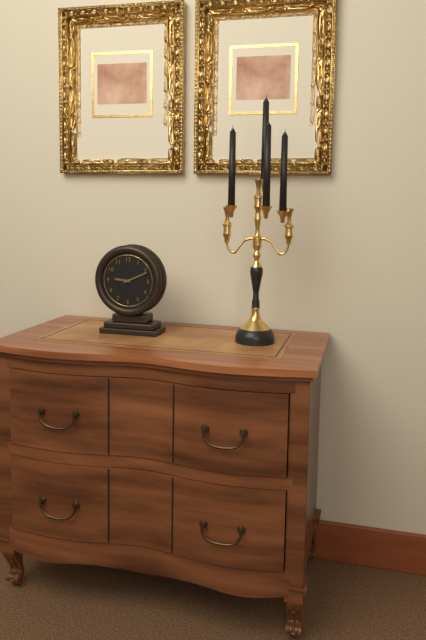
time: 9:11
